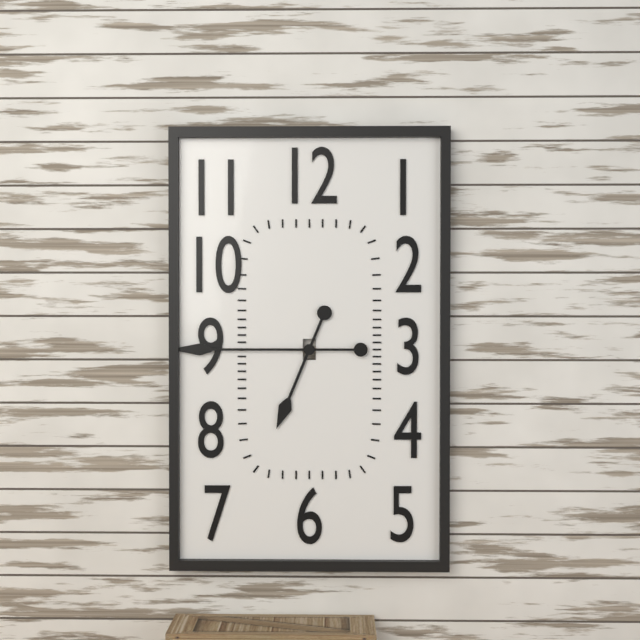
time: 6:45
